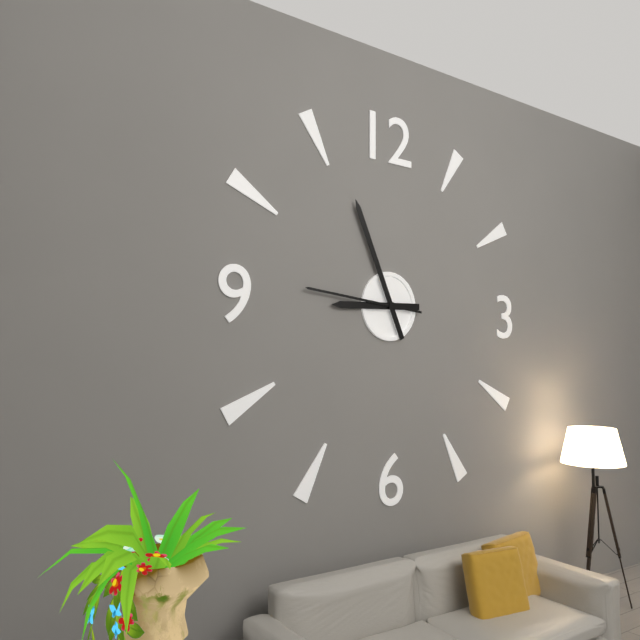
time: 8:56:46
